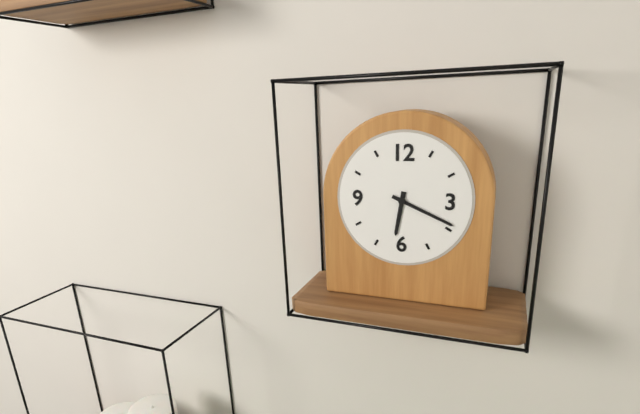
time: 6:19
